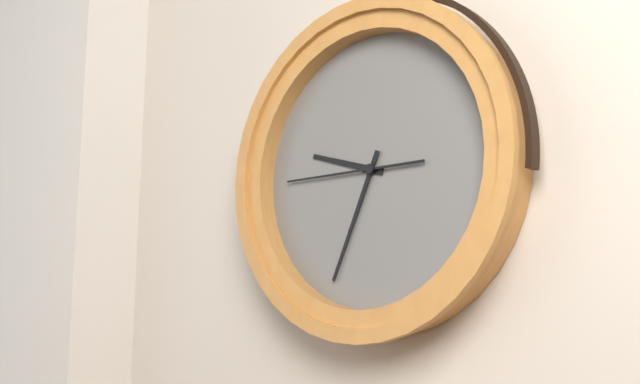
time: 9:34:45
